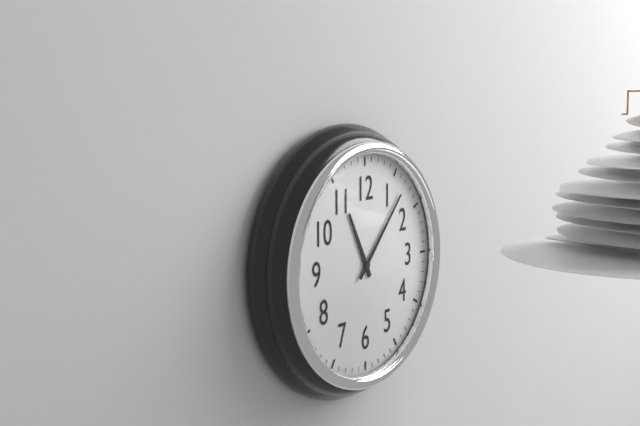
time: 11:07
